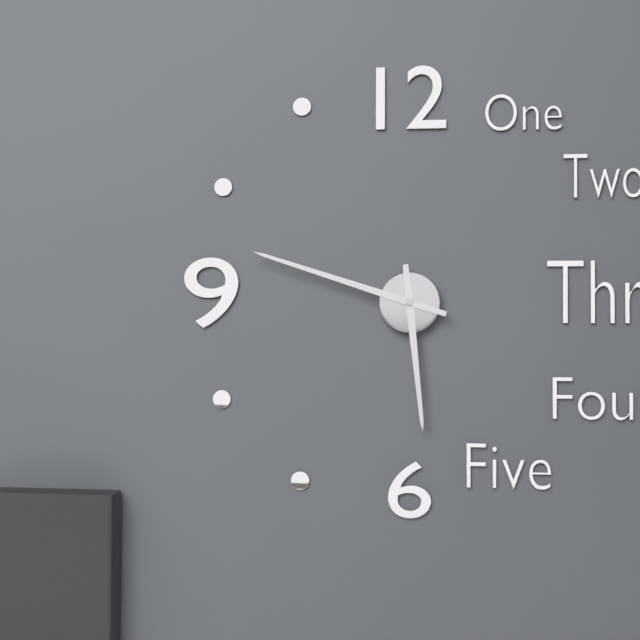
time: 5:48
